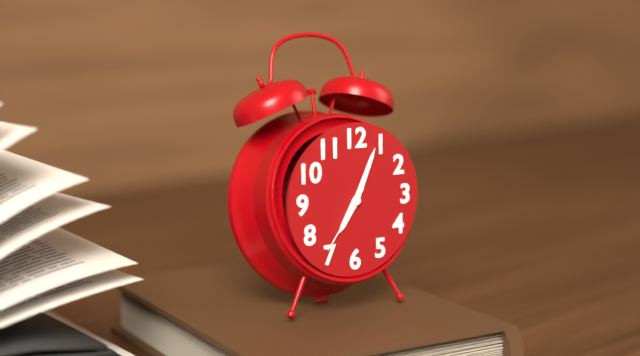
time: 7:04:36
